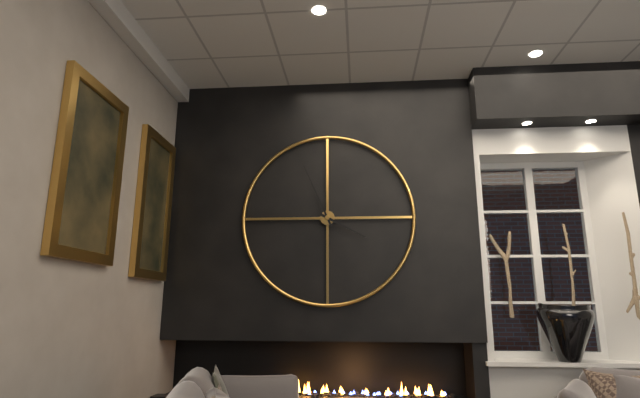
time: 3:56
